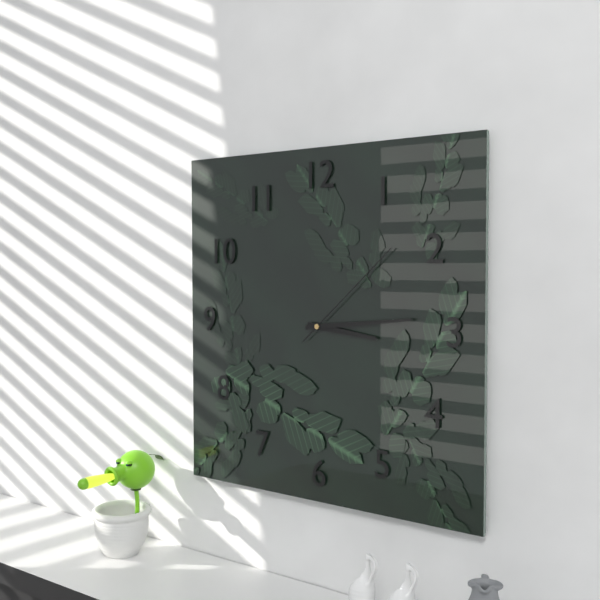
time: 3:14:08
